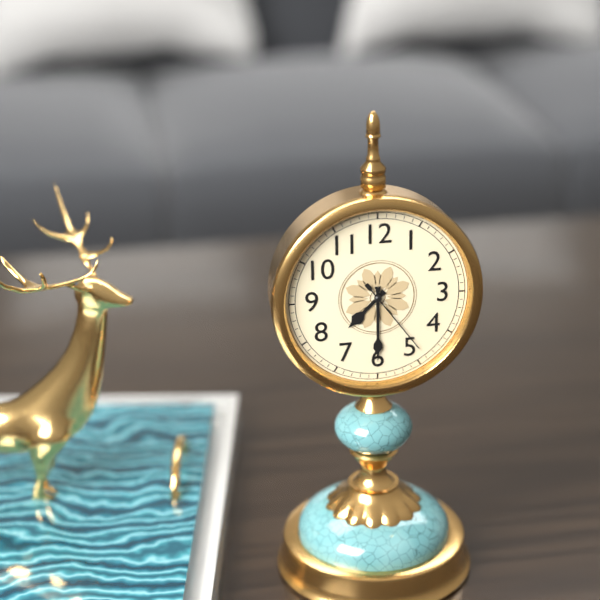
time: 7:30:24
